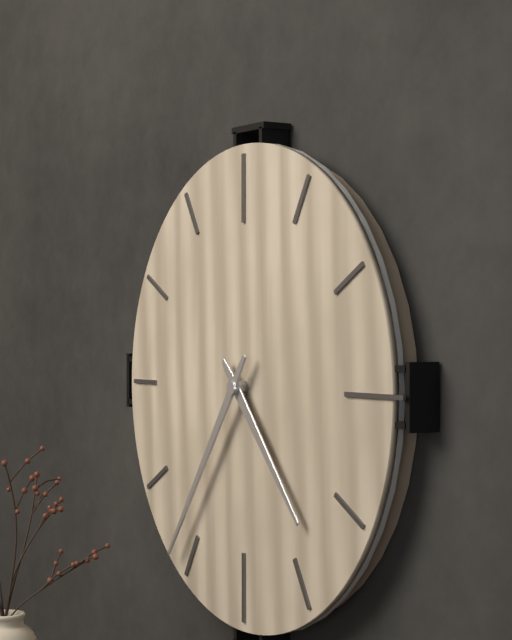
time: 4:36
